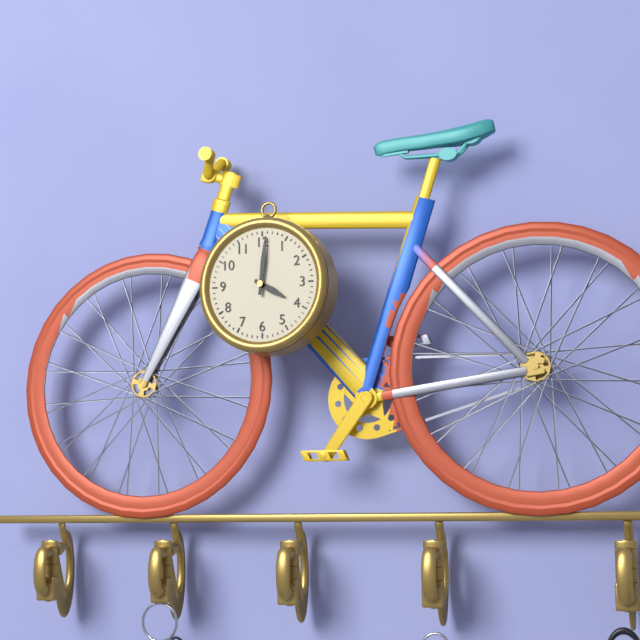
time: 4:01
